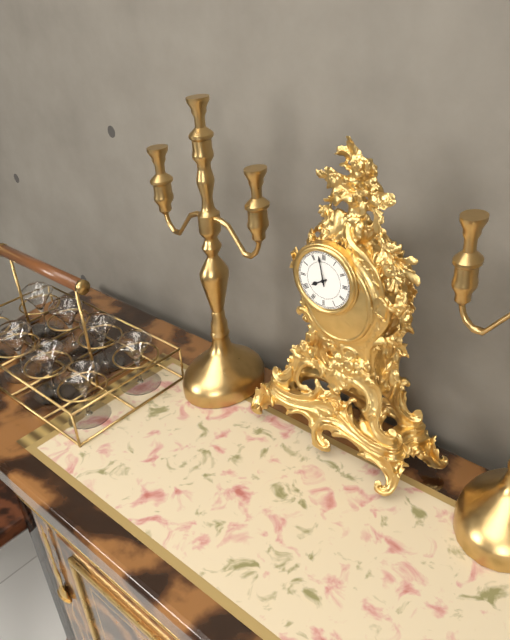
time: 7:58
